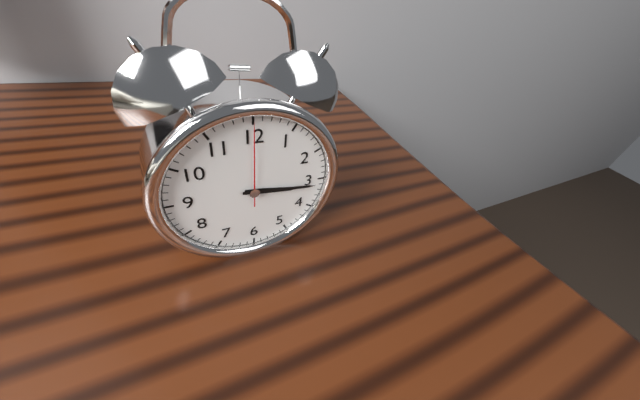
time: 3:16:00
